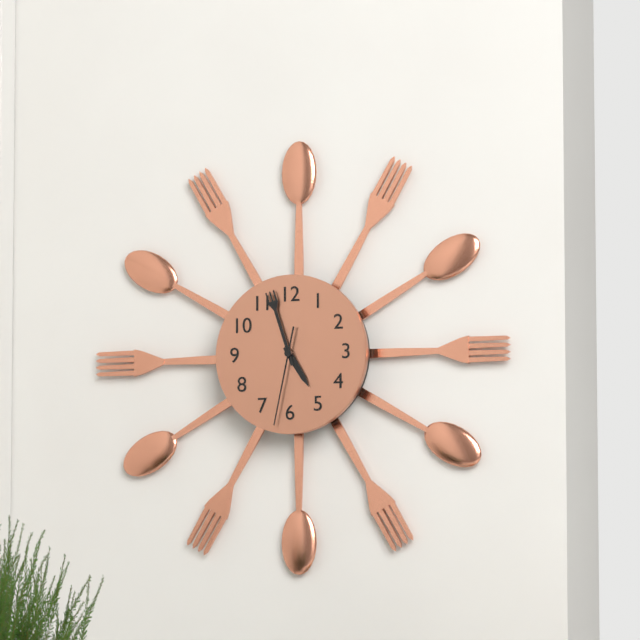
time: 4:57:32
